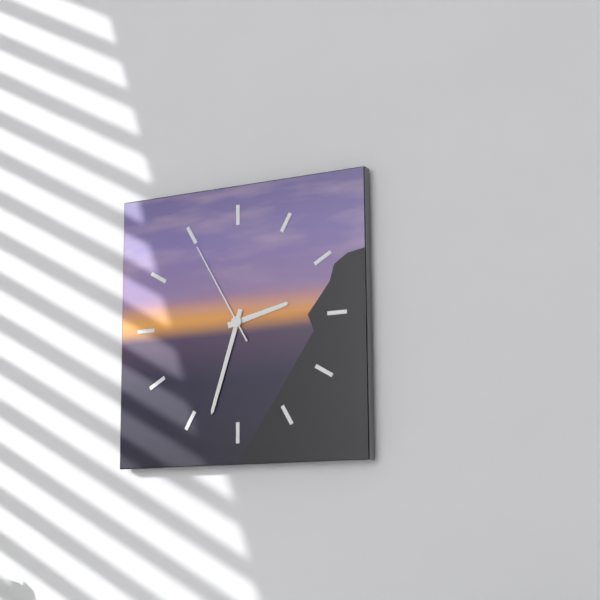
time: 2:33:55
